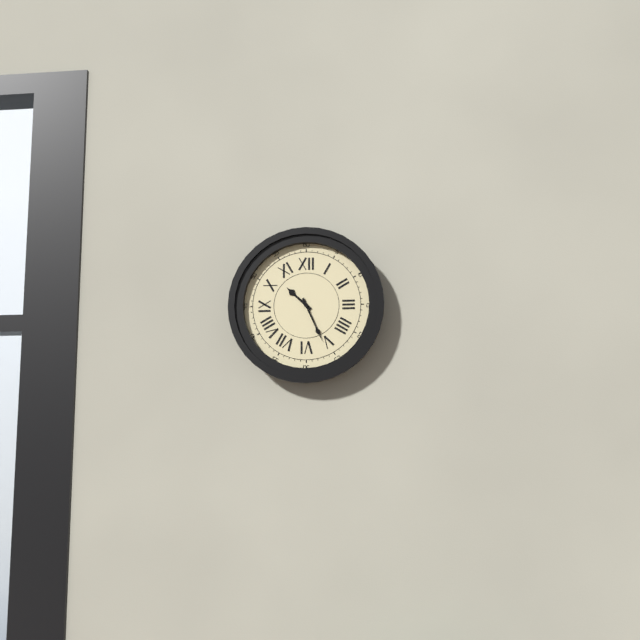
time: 10:26
